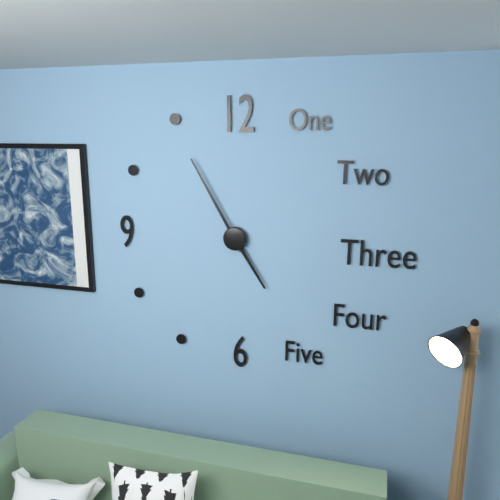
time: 4:55
